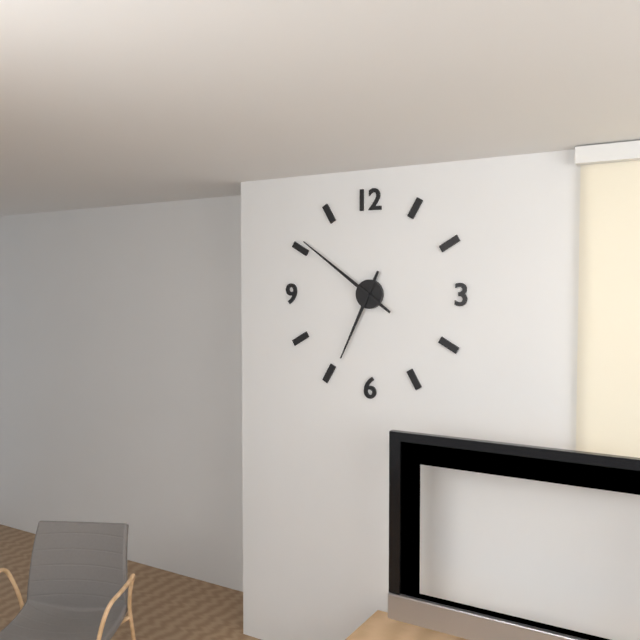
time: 6:51
